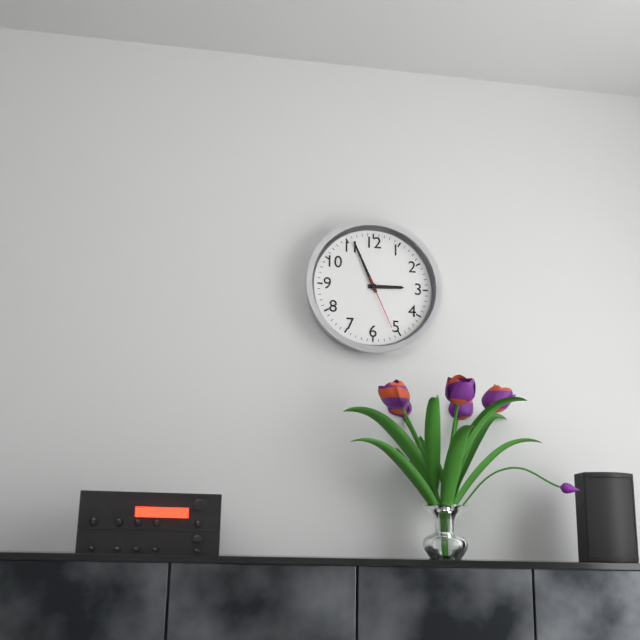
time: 2:56:26
